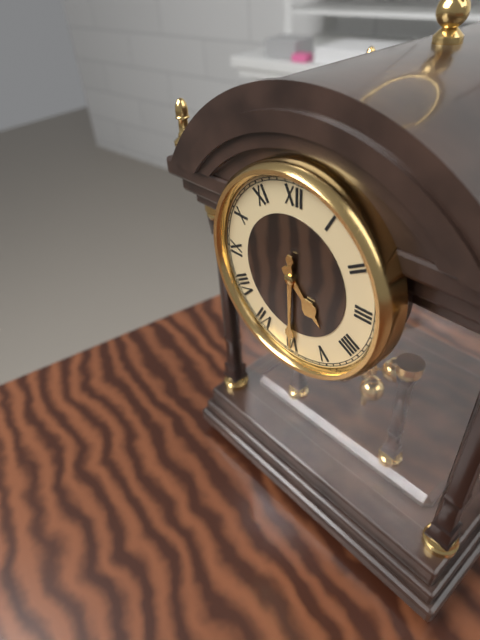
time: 4:30
